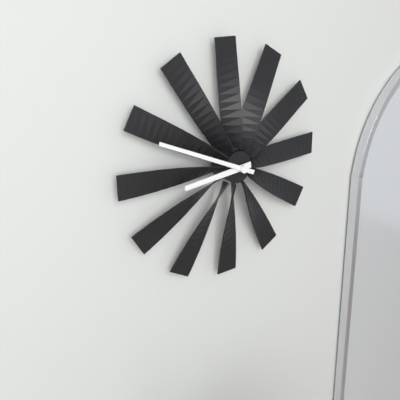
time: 8:49
